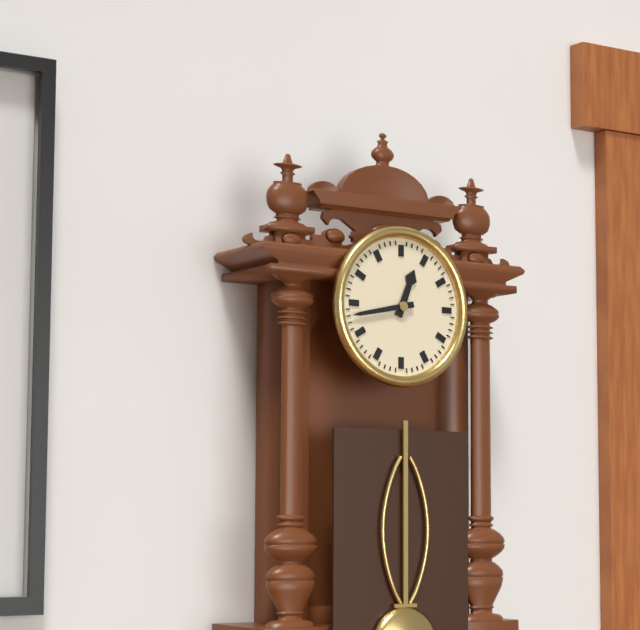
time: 12:43
